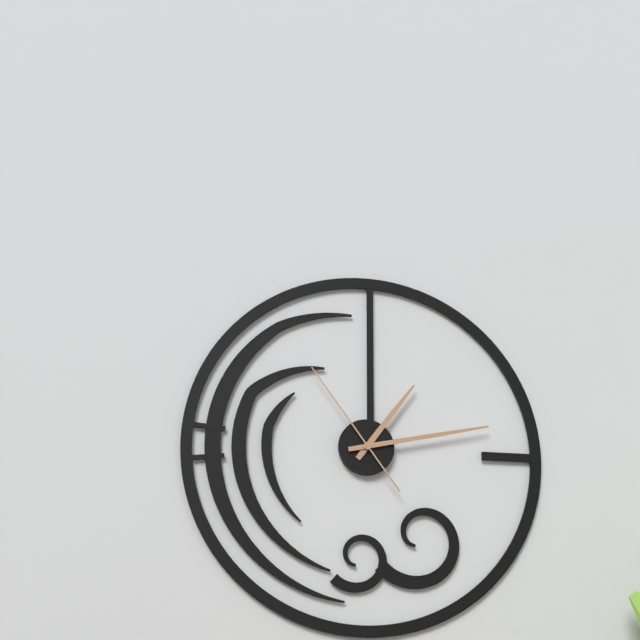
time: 1:13:54
